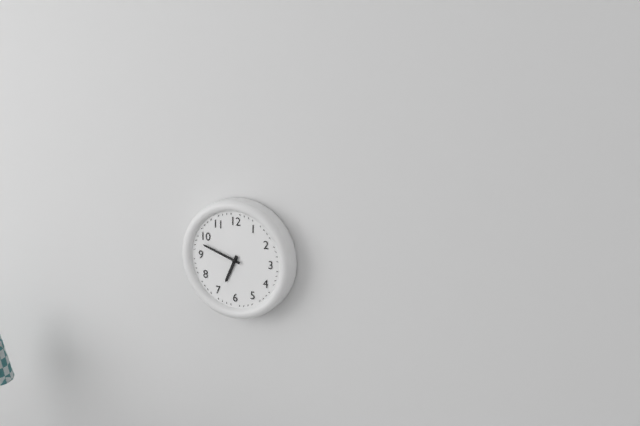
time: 6:48
